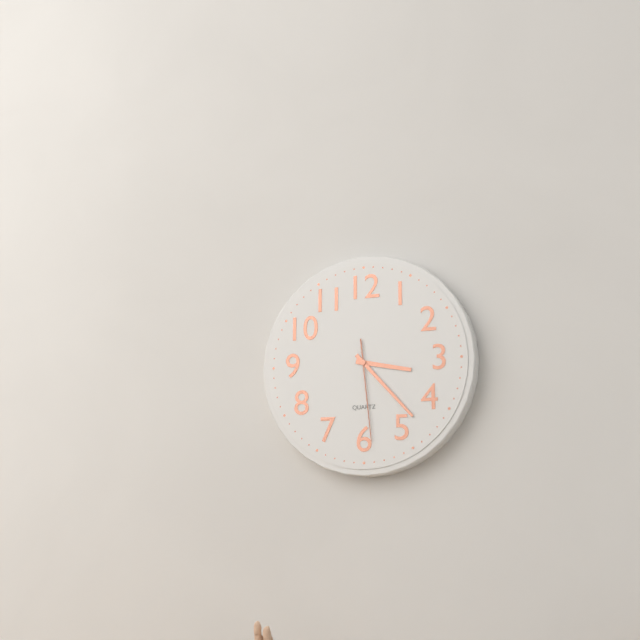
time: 3:23:29
